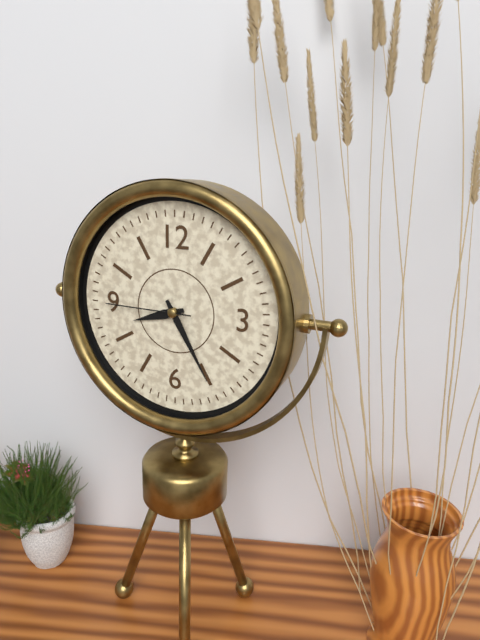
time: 8:25:45
